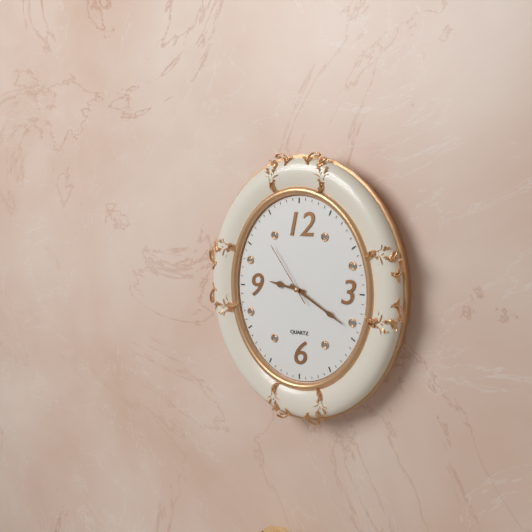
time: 9:20:54
